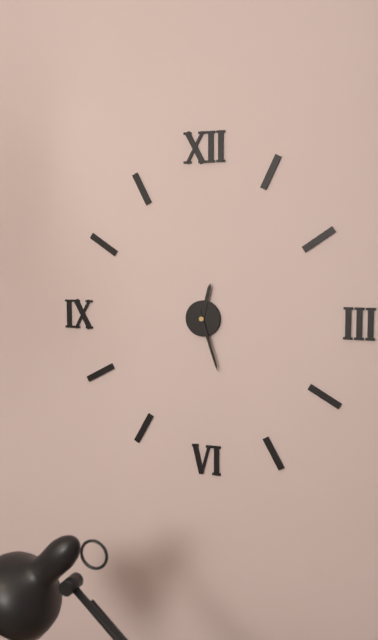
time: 12:27
